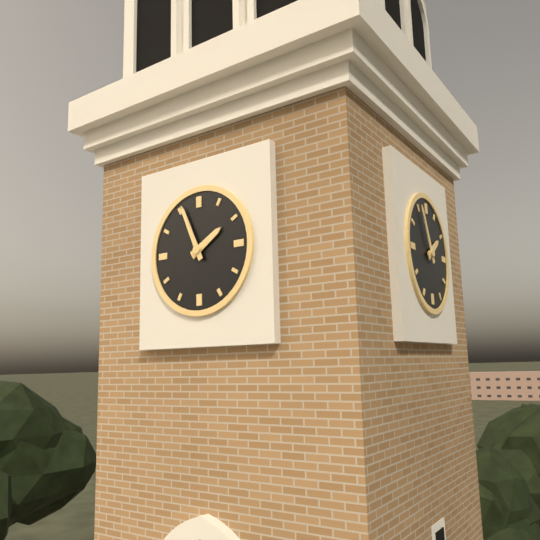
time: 1:56
